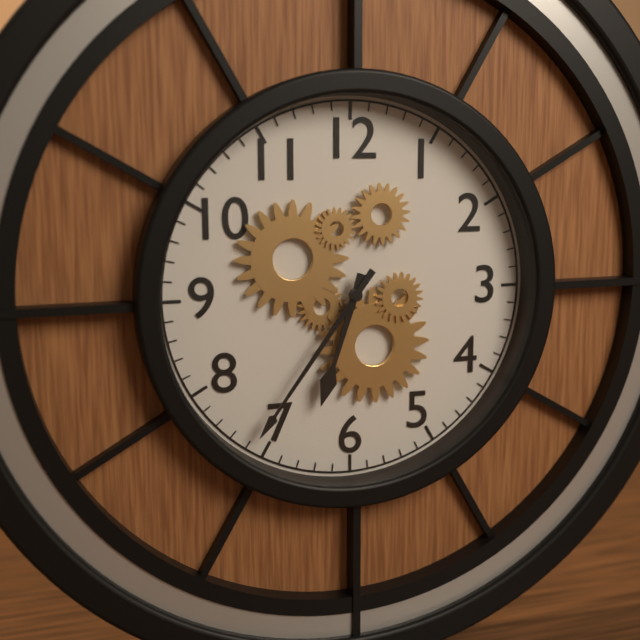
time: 6:36
